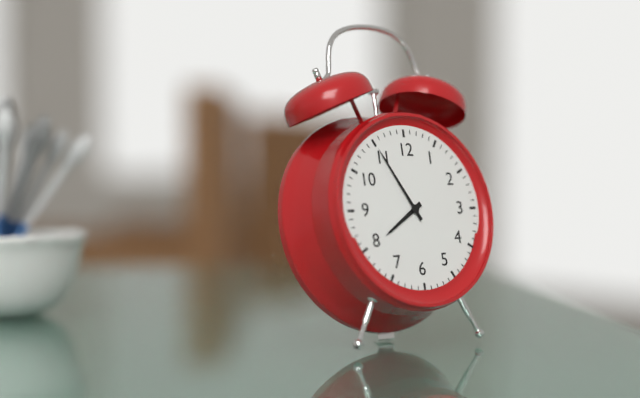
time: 7:55
